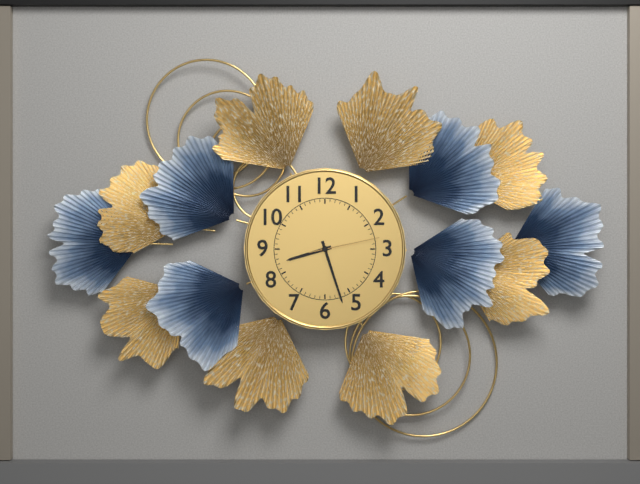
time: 8:27:13
